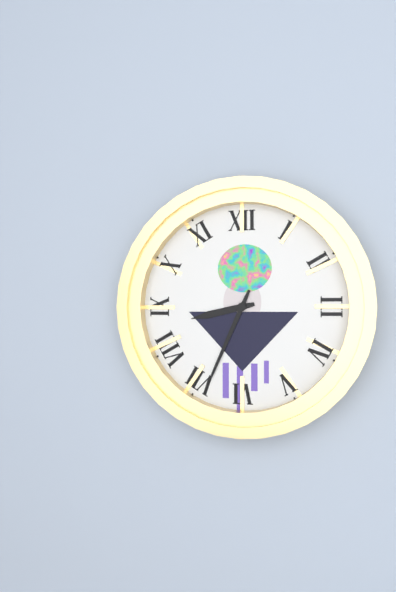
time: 8:34
